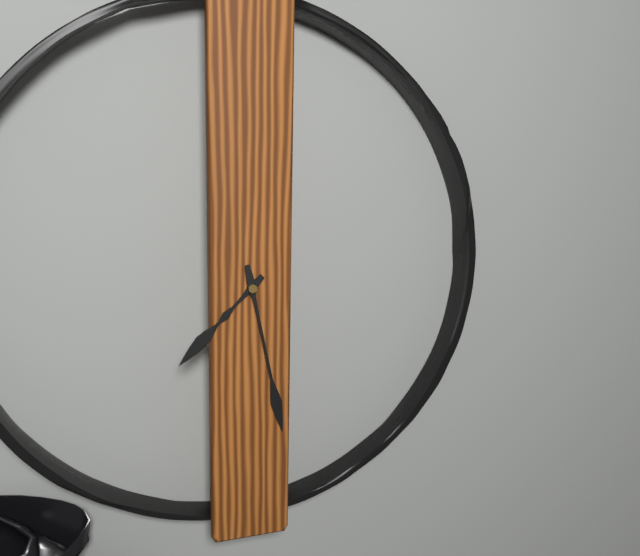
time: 7:28
